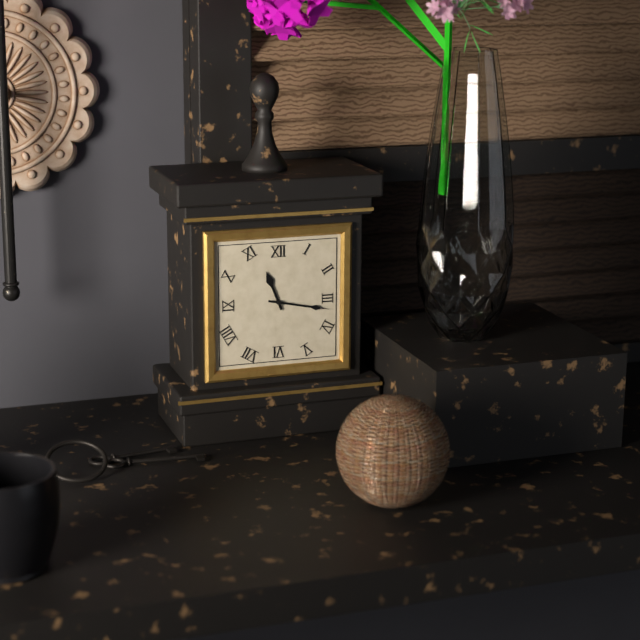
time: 11:17
